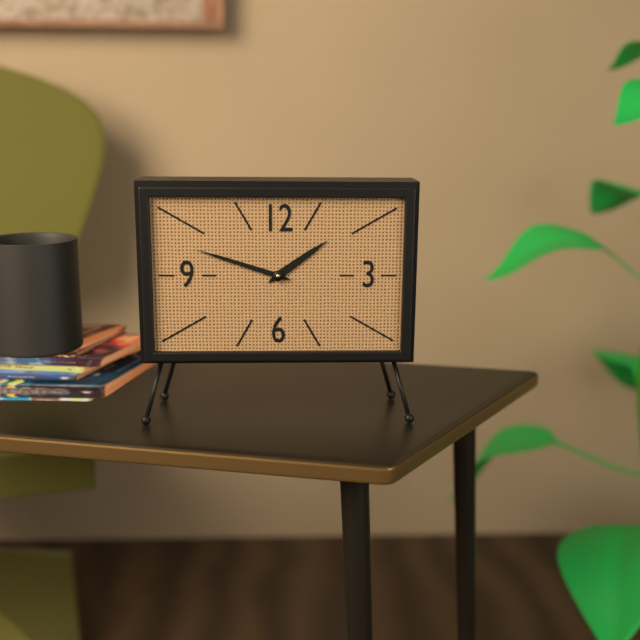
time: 1:48
